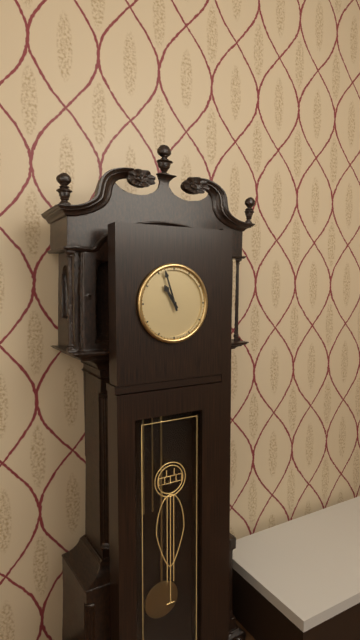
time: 10:57
